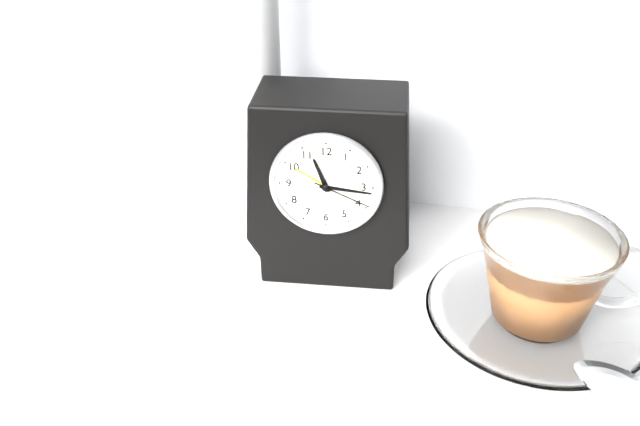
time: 11:16:19
